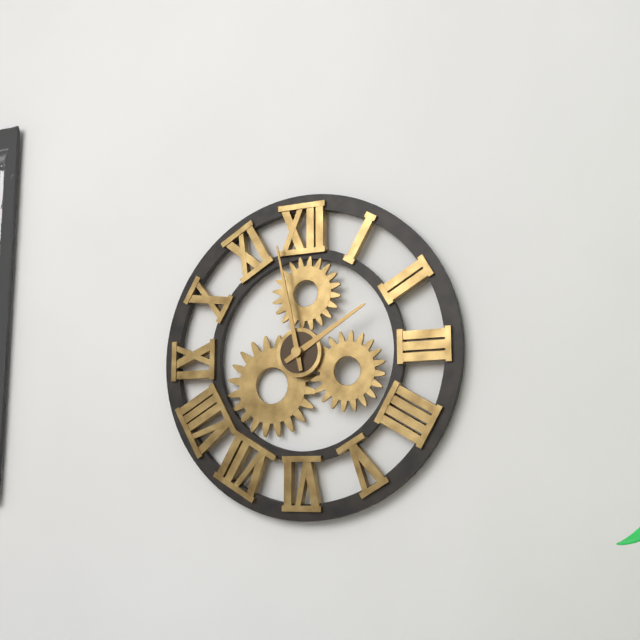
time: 1:58
